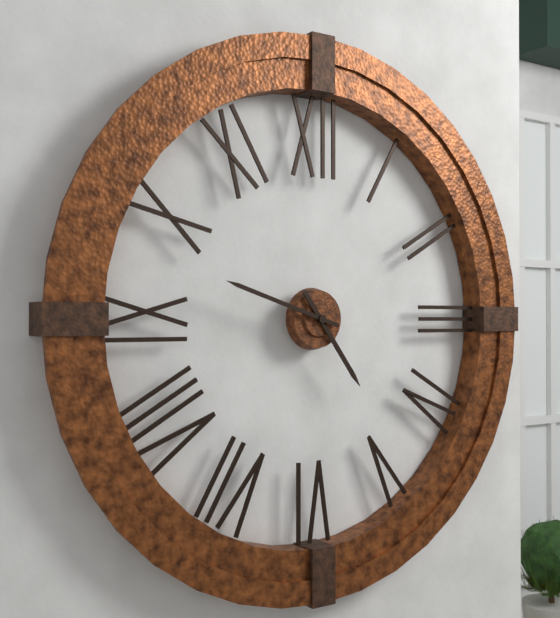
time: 4:48
